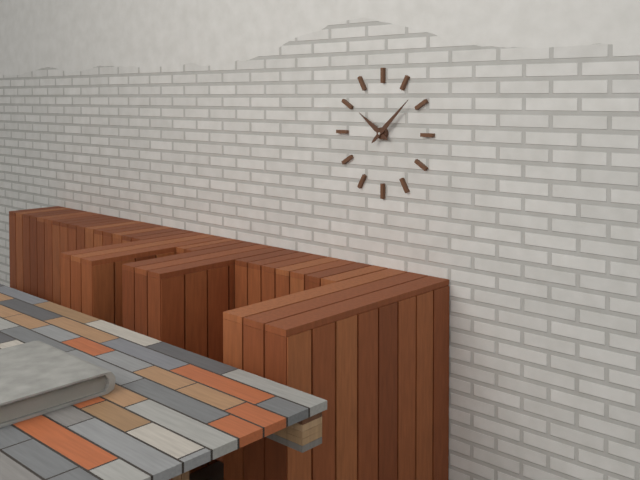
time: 10:08
